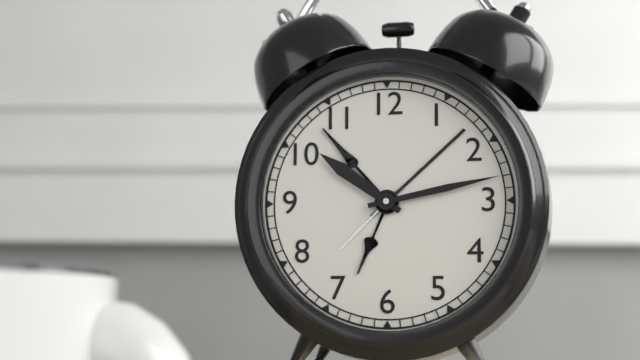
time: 10:13
